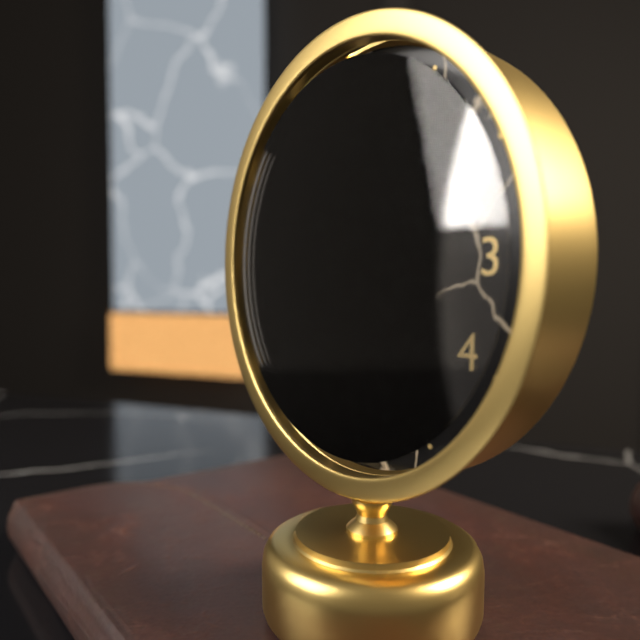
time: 12:57:51
